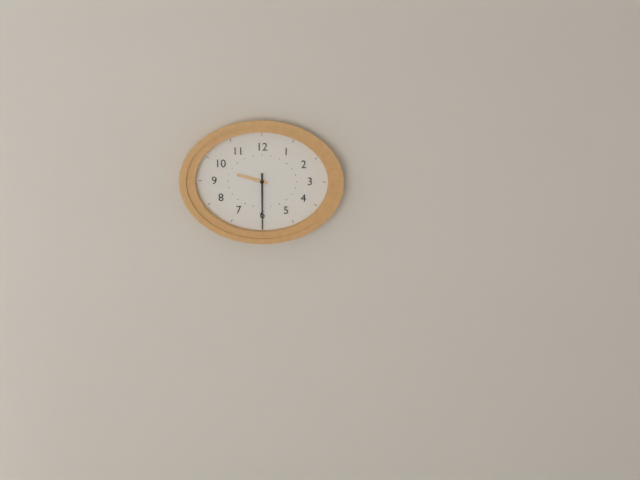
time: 9:30
